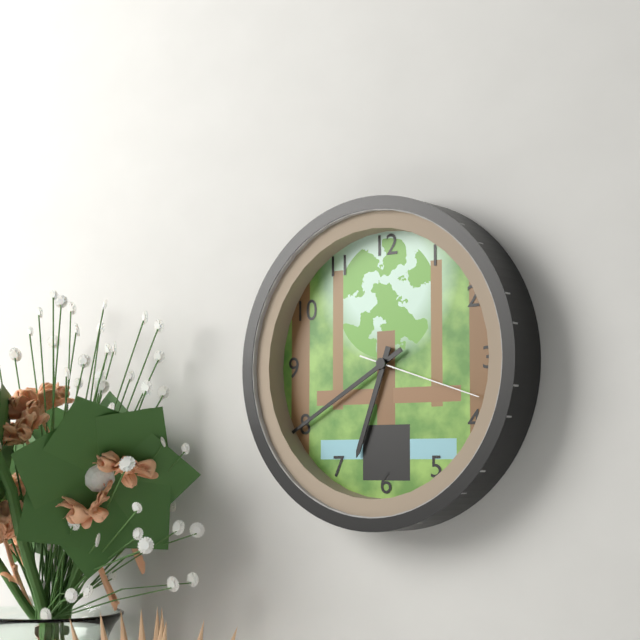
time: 6:40:18
